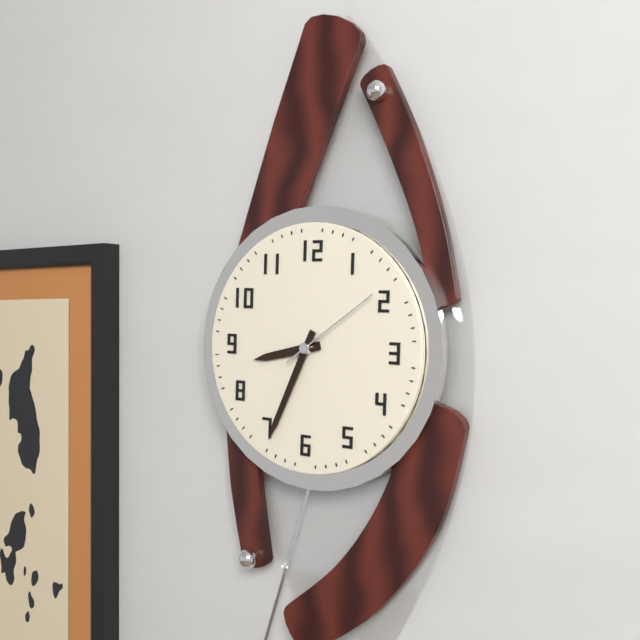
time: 8:34:09
